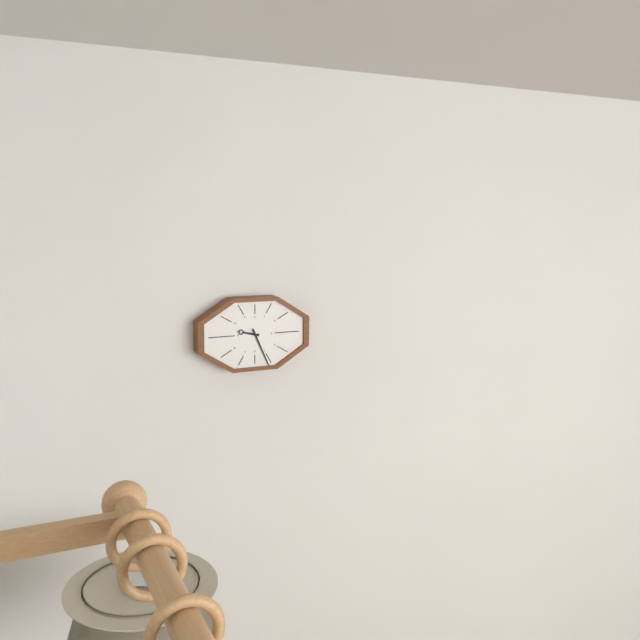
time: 9:26
